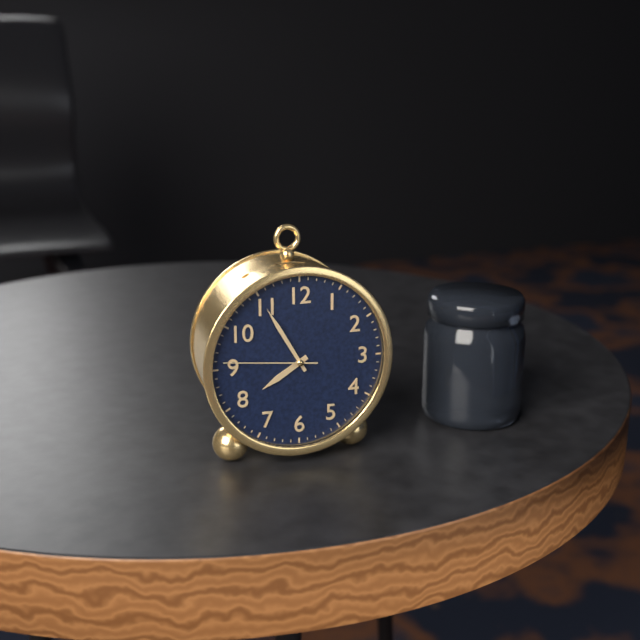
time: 7:55:46
